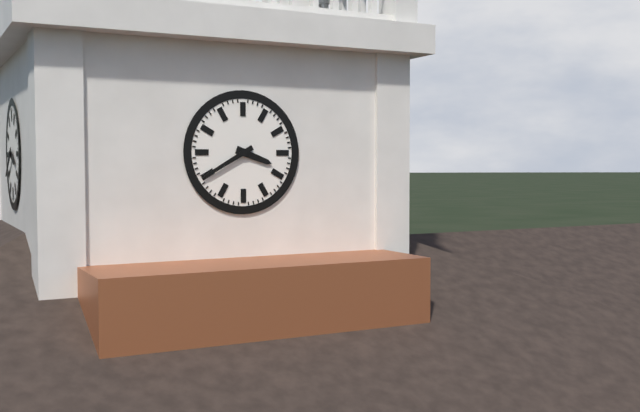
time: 3:40
